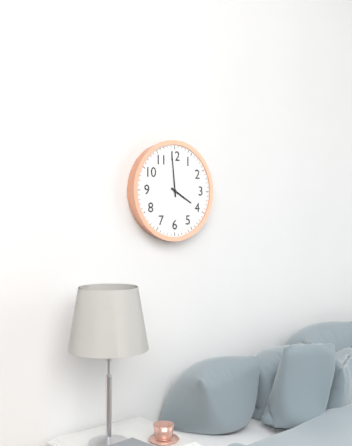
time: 3:59
